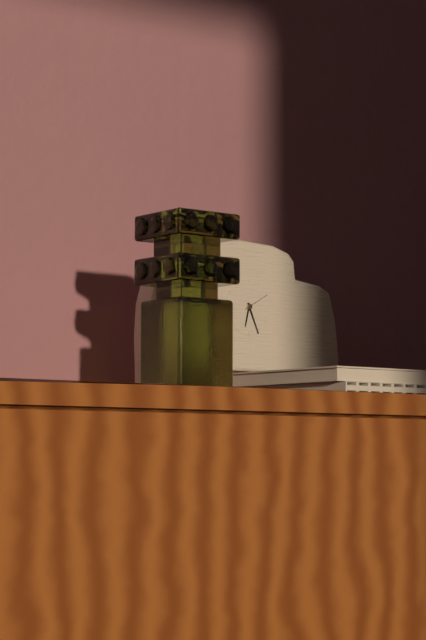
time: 6:26
